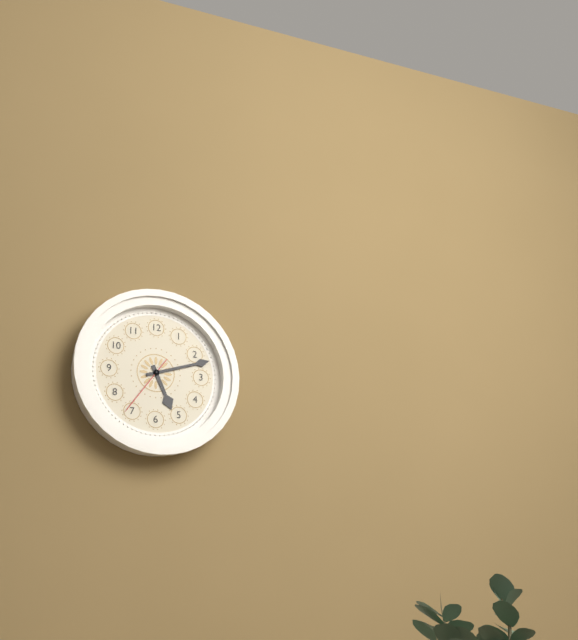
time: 5:12:36
